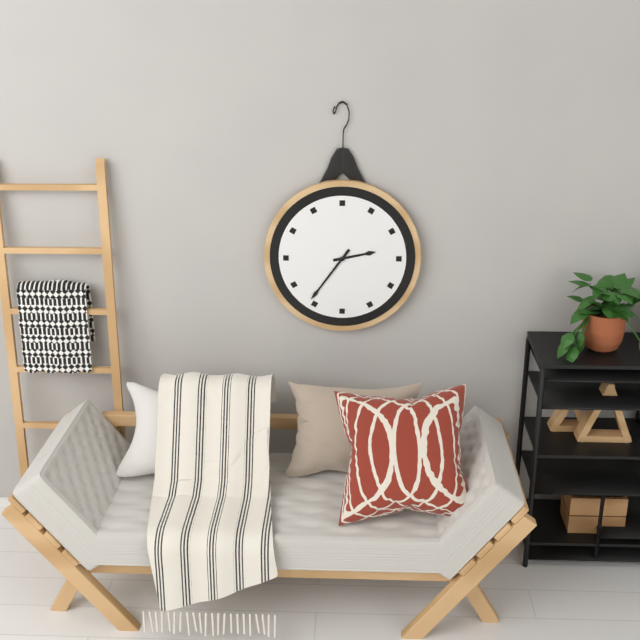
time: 2:36
